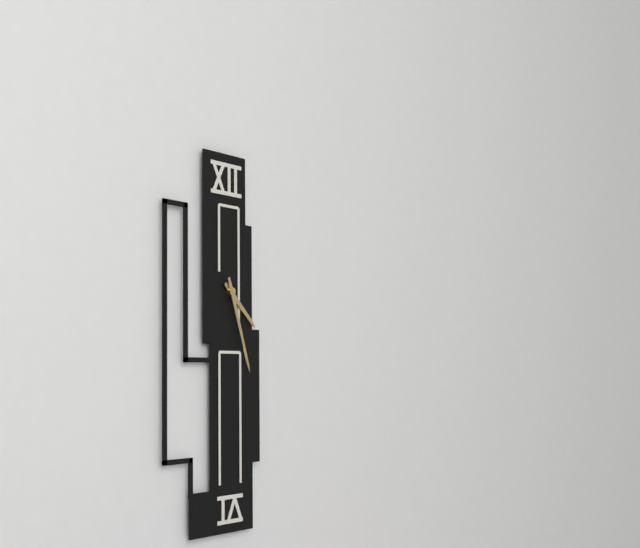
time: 4:27
